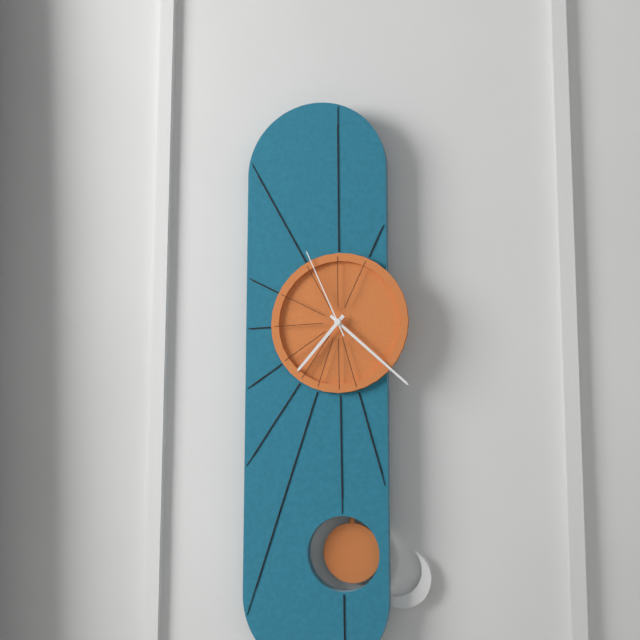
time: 7:22:56
